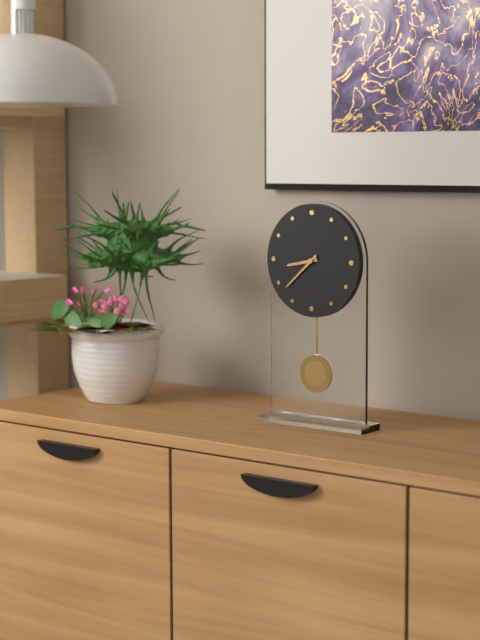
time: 8:38
